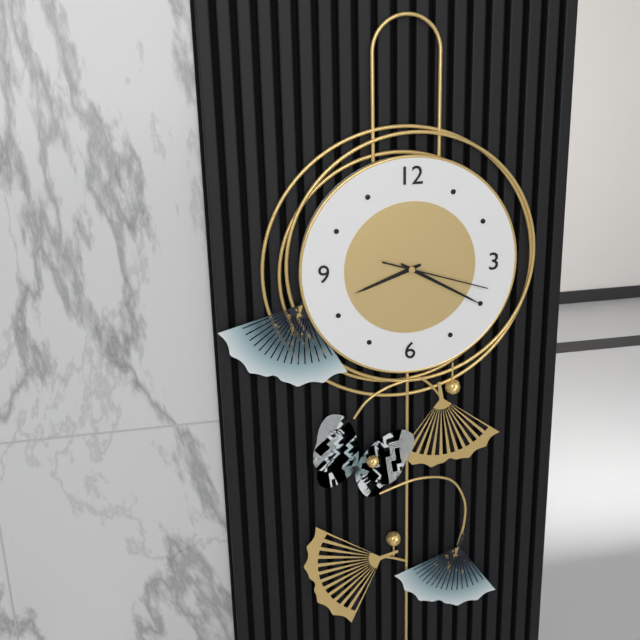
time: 8:20:18
